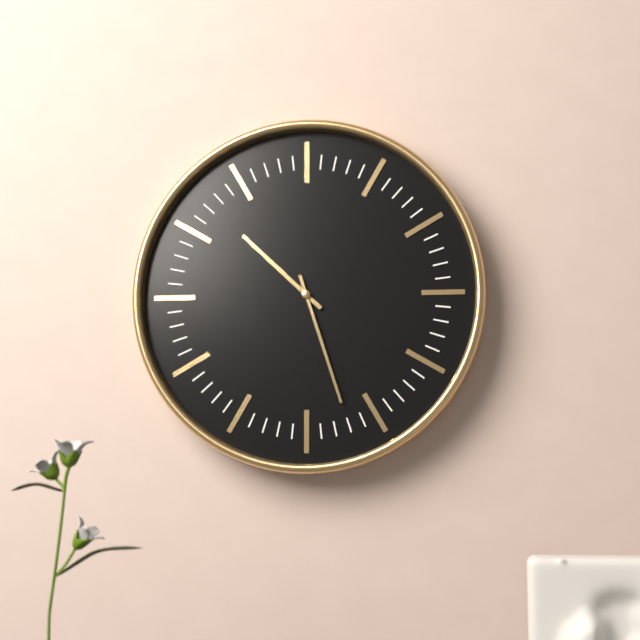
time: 10:27
